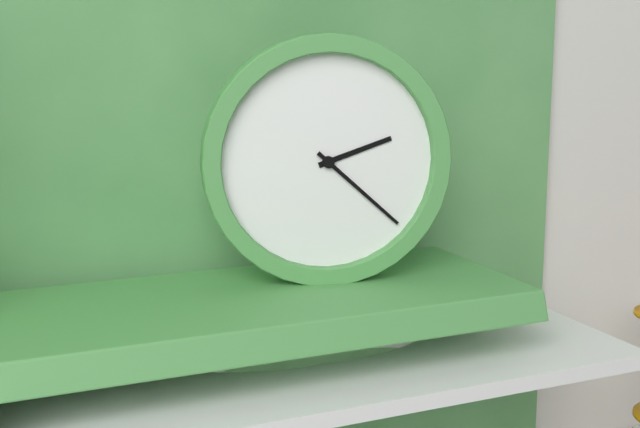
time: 2:22
